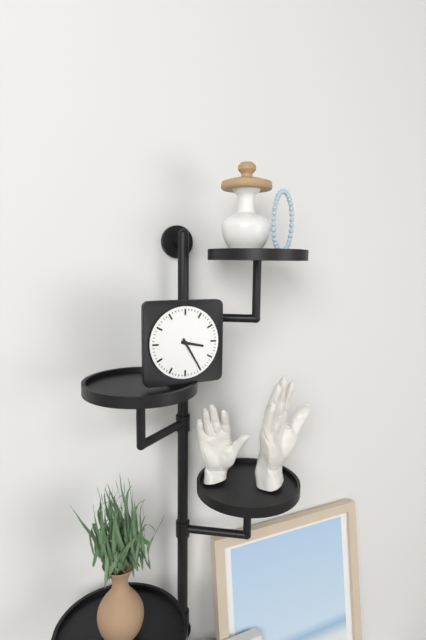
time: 3:25
